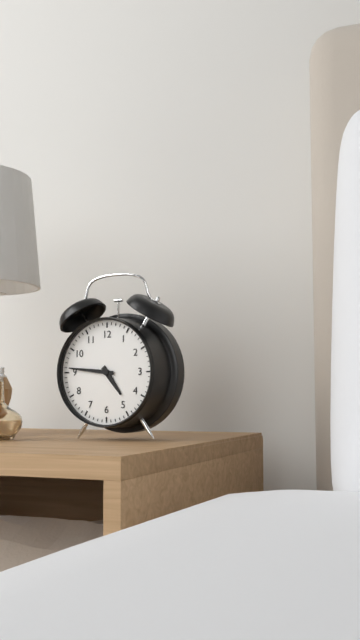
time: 4:46
